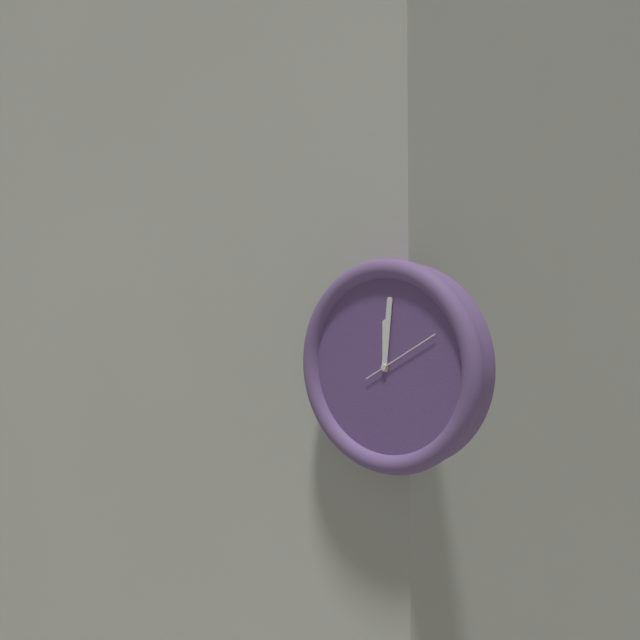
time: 12:01:10
